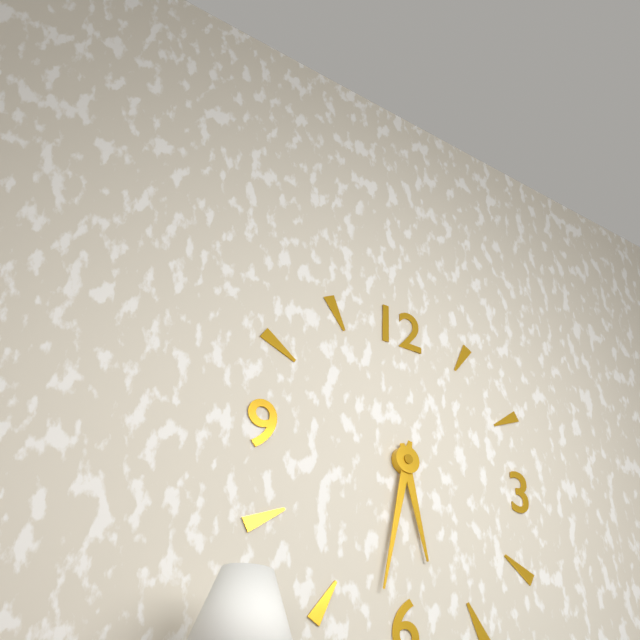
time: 5:32
